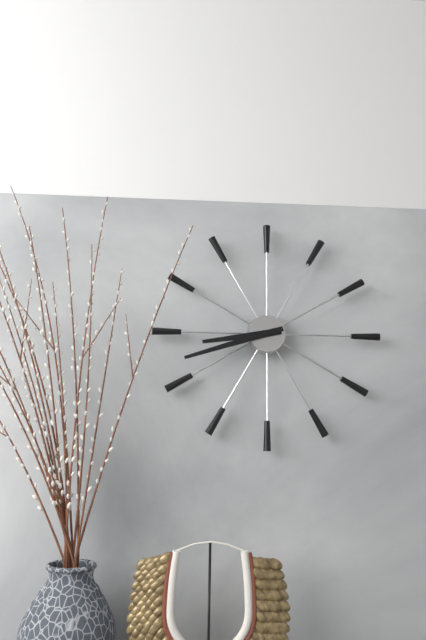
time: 8:42
